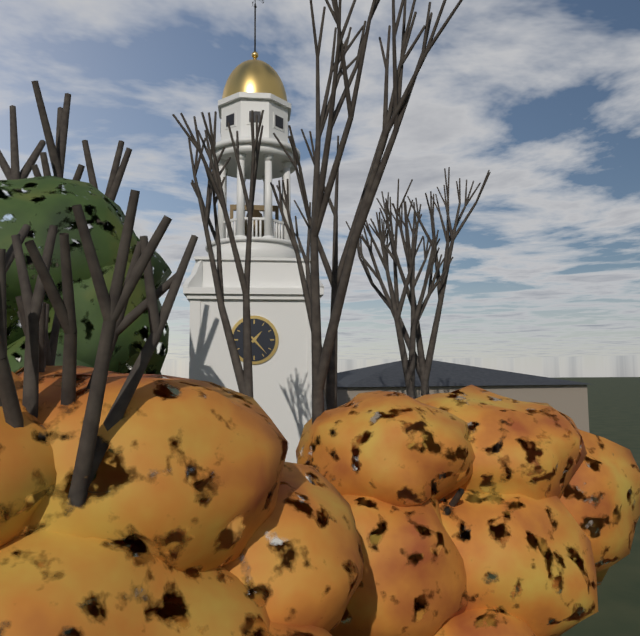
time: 1:23
